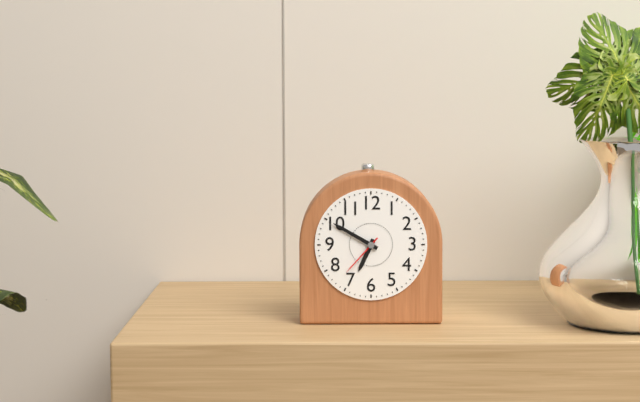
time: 6:50
